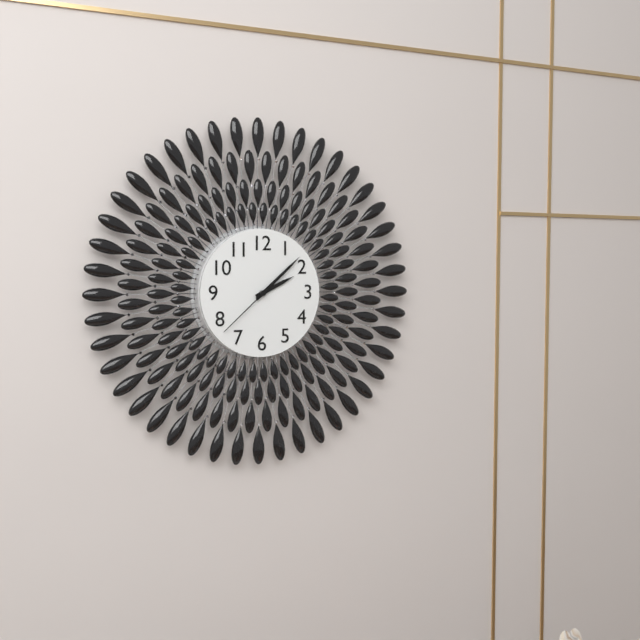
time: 2:08:38
